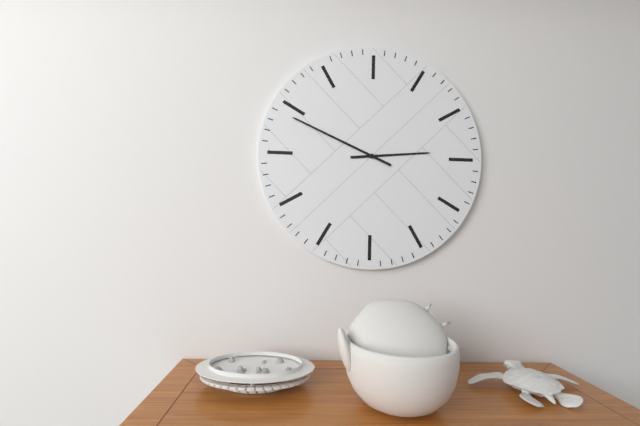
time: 2:49
